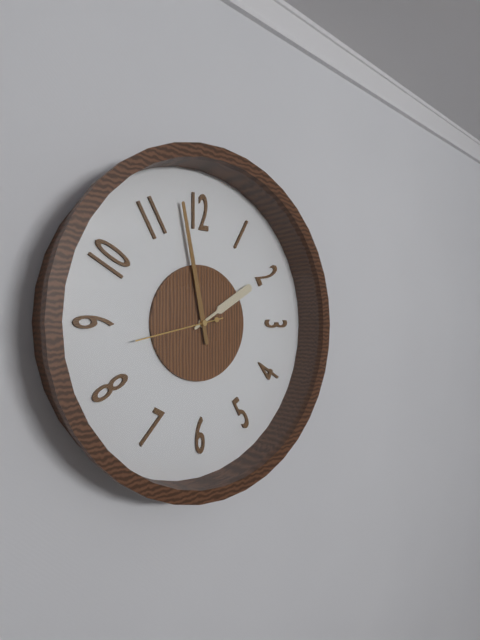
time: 1:58:43
